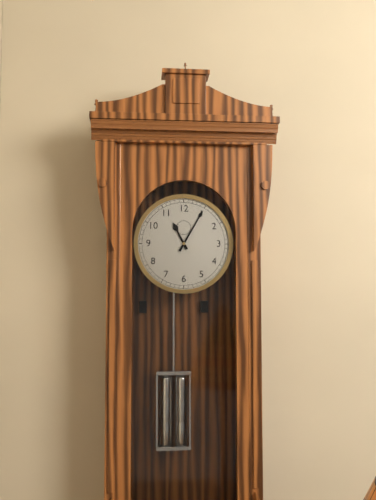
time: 11:05
